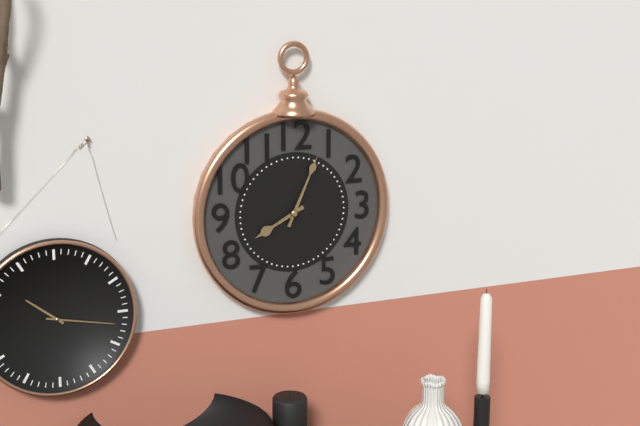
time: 8:04
